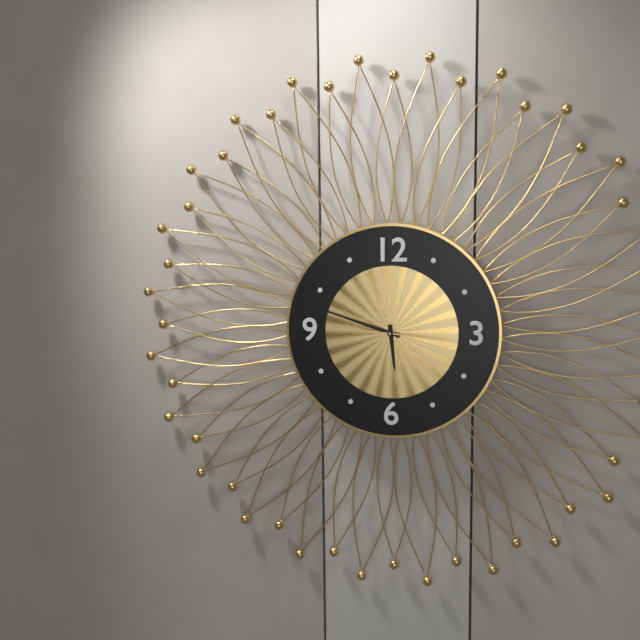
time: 5:48:16
